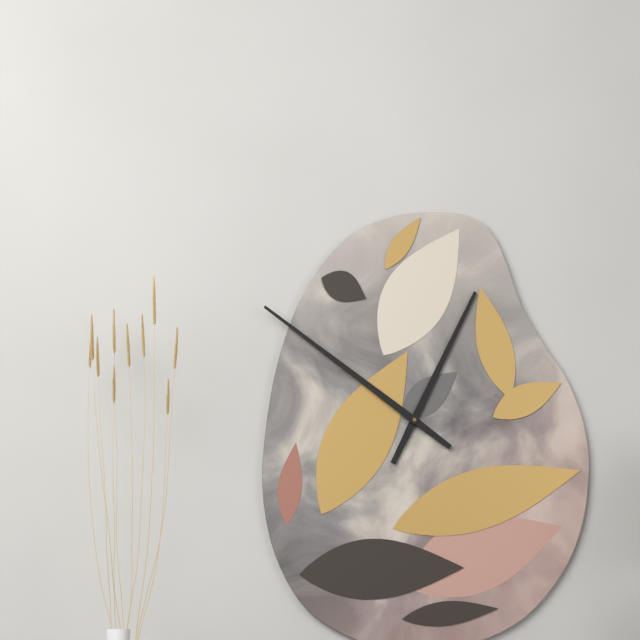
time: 12:51
